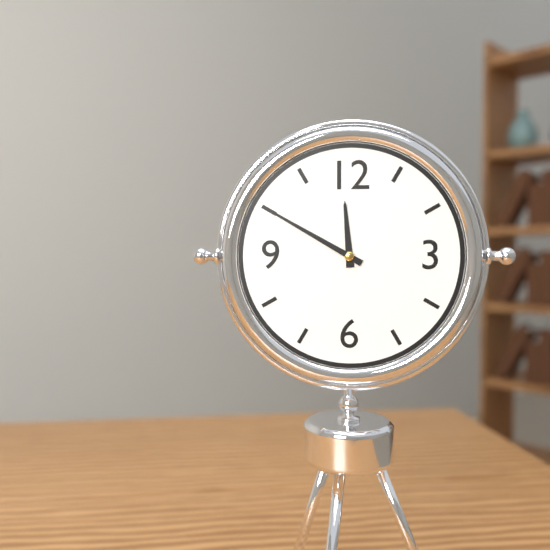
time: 11:50
